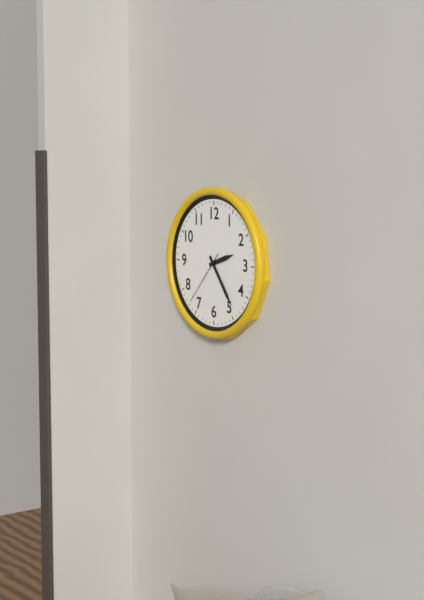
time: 2:24:37
